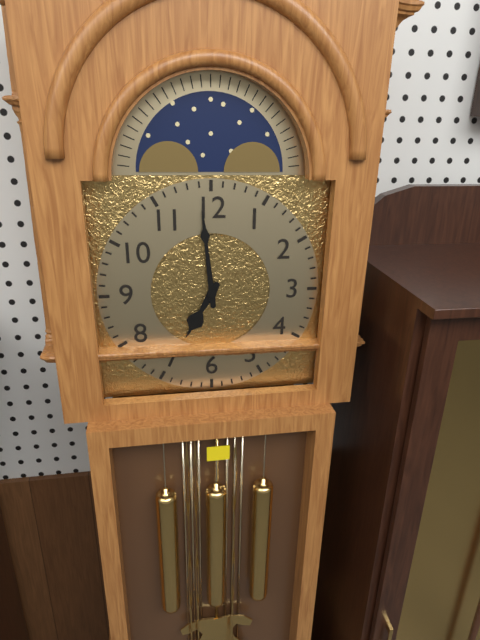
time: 6:59
